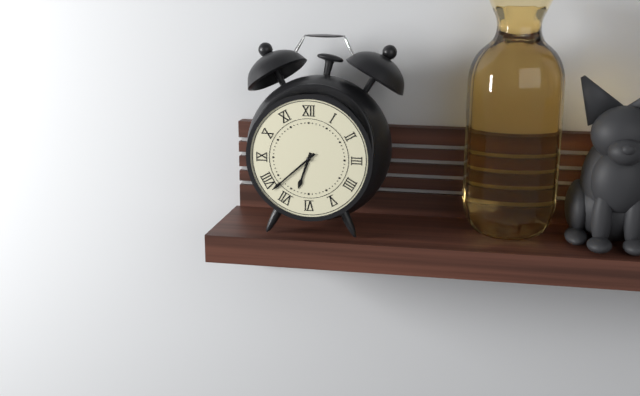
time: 6:38
